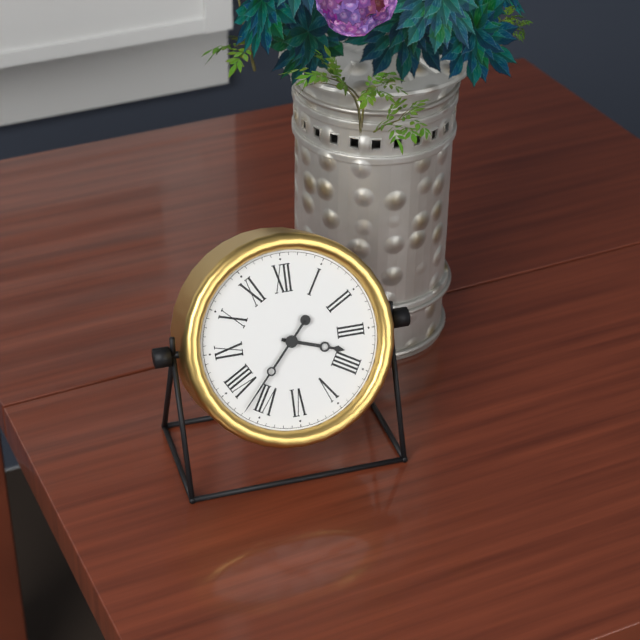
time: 3:37
